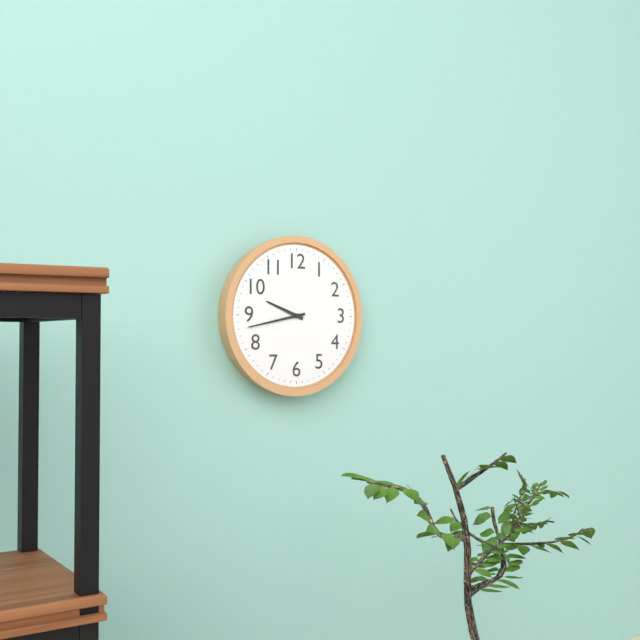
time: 9:43
